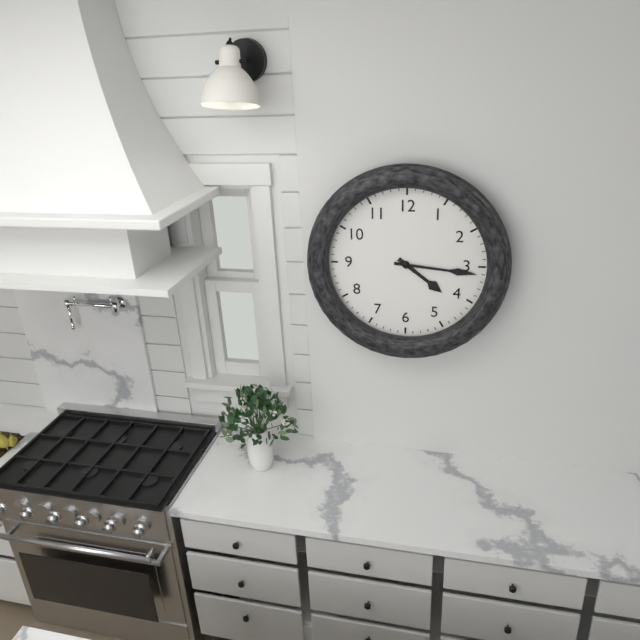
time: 4:16
